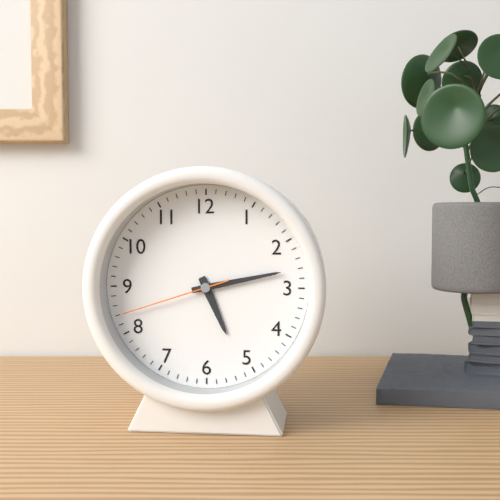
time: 5:13:42
